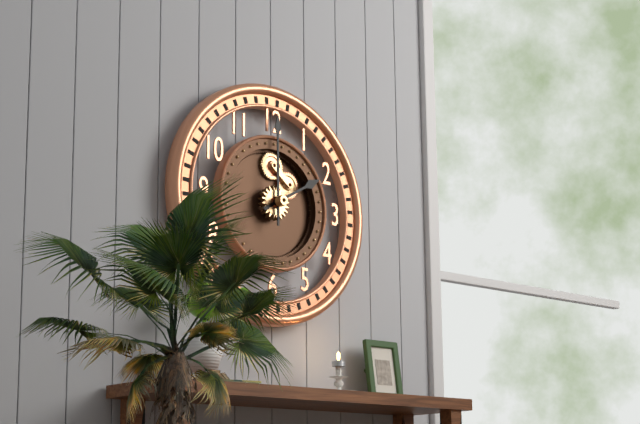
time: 2:00
